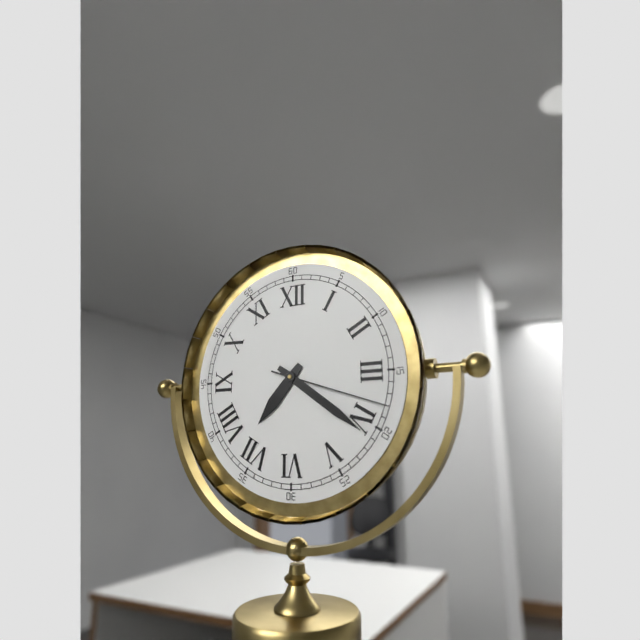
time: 7:21:18
